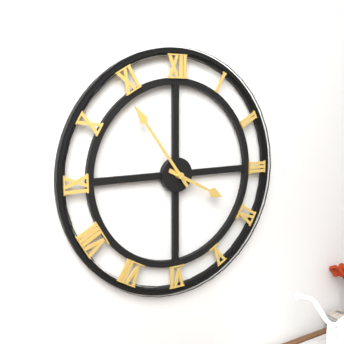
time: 3:54
